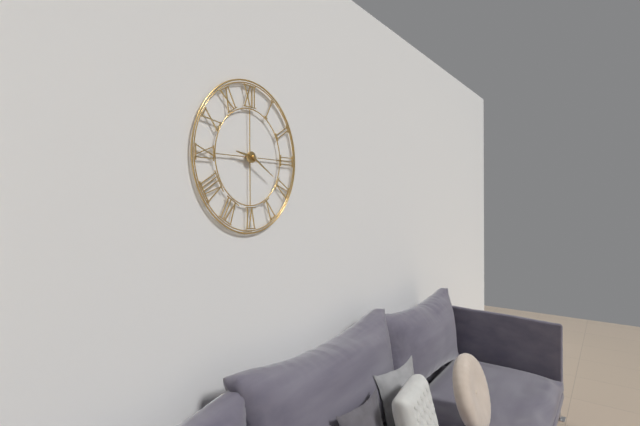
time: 9:20
